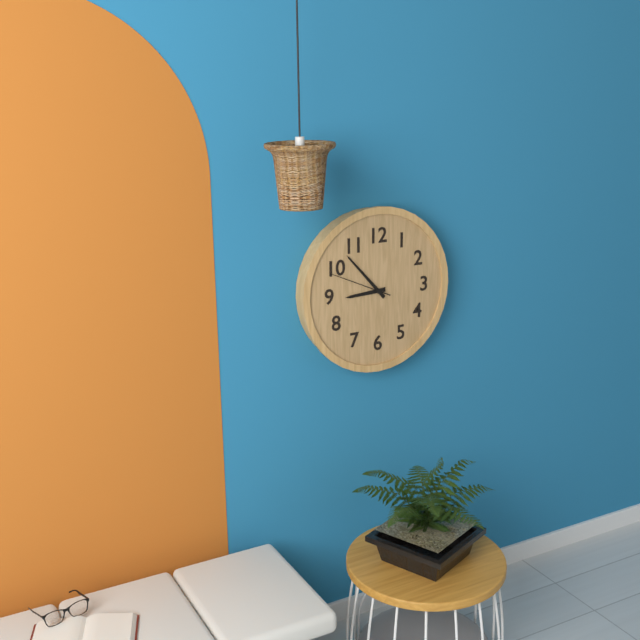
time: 8:53:49
